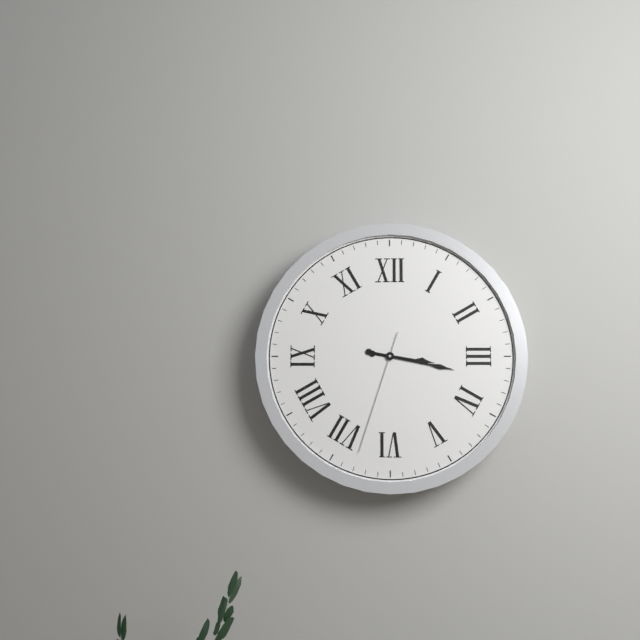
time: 3:17:33
